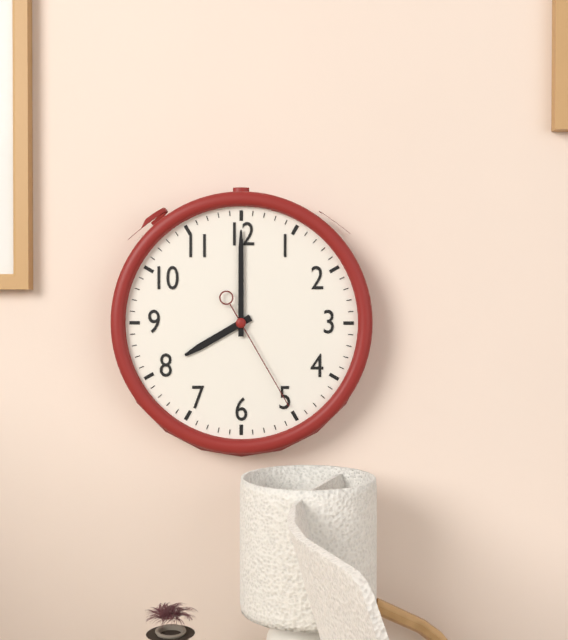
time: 8:00:25
